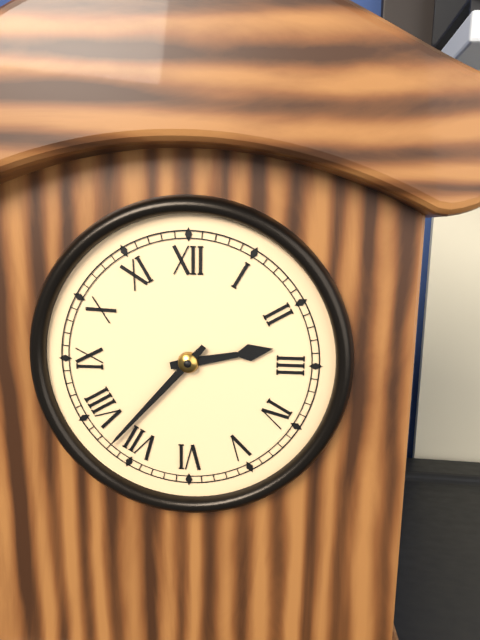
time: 2:37
